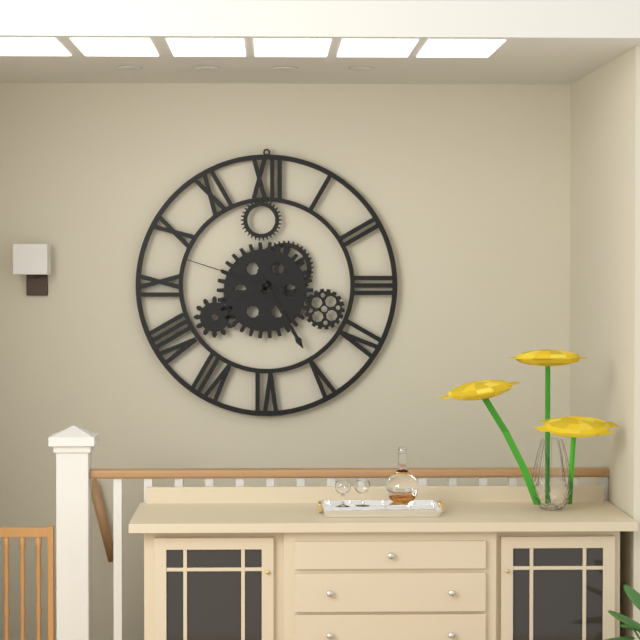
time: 8:25:48
